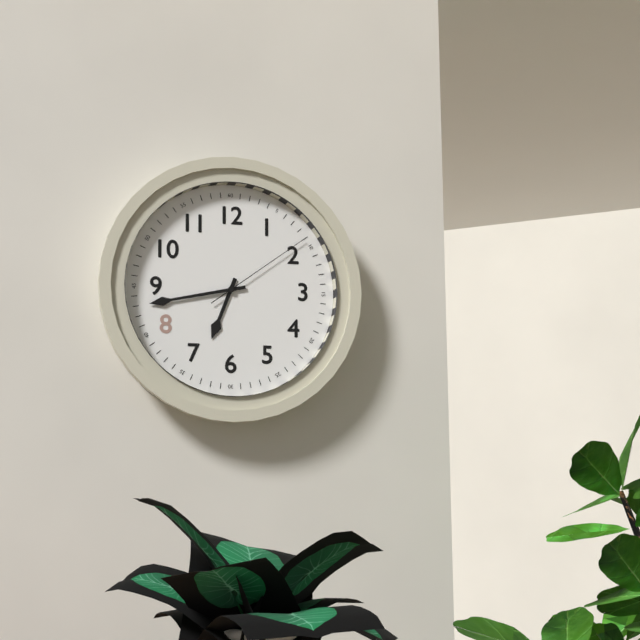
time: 6:43:09
